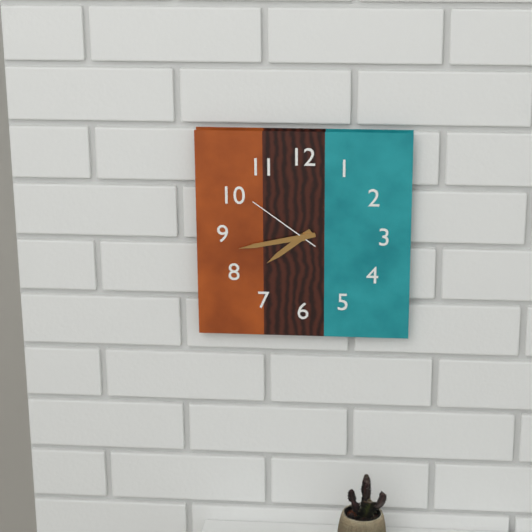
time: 7:43:51
